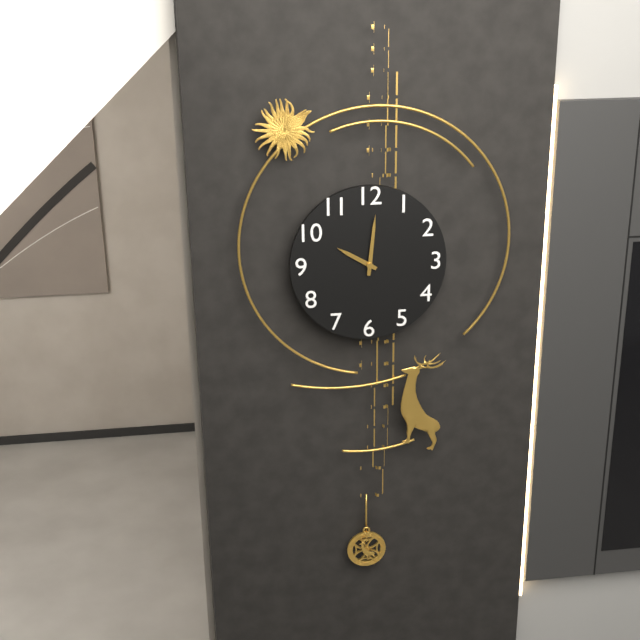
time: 10:01
